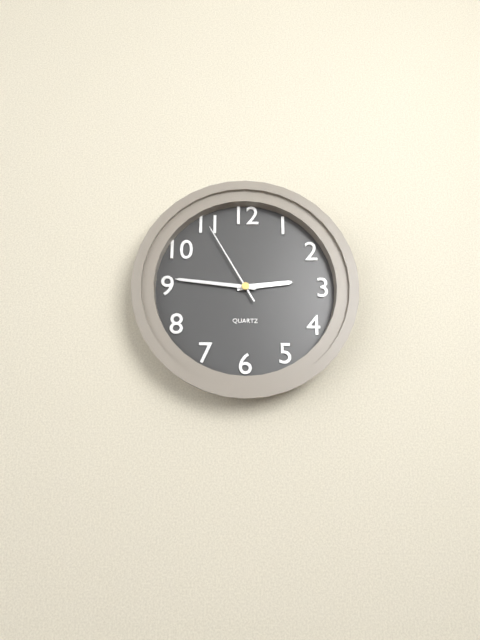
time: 2:46:55
